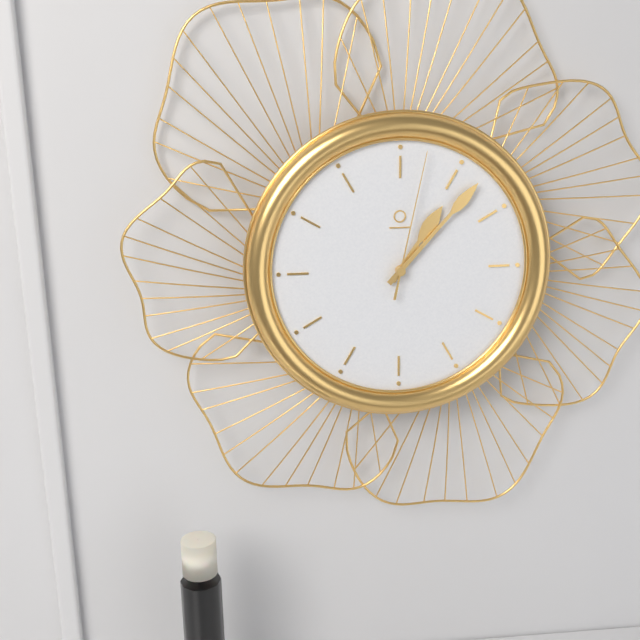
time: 1:07:02
